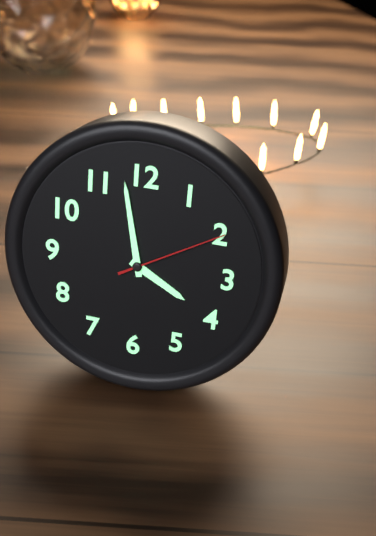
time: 3:58:10
